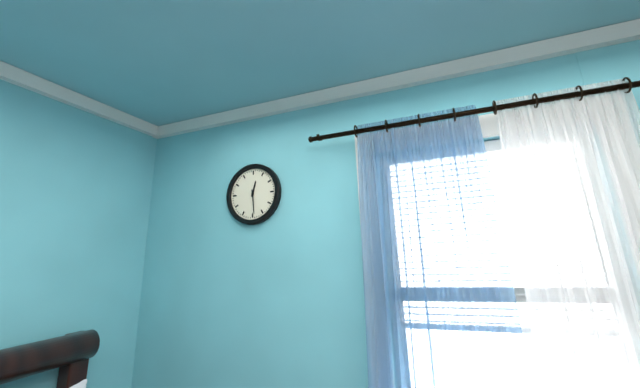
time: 12:29
